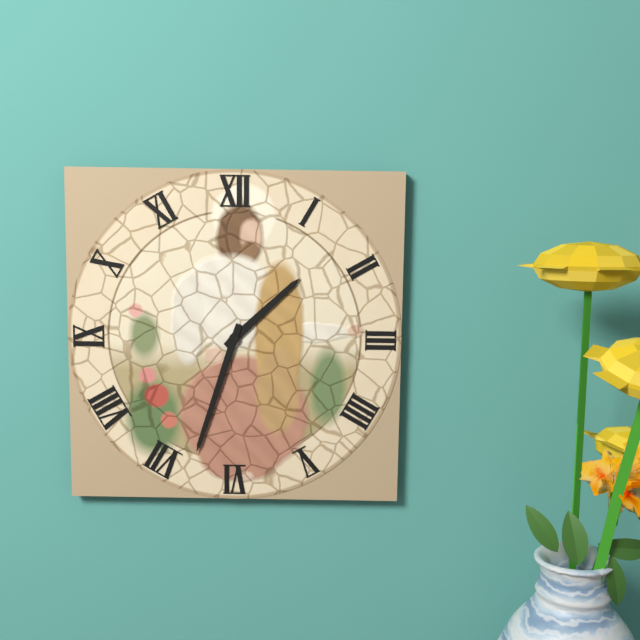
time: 1:33
